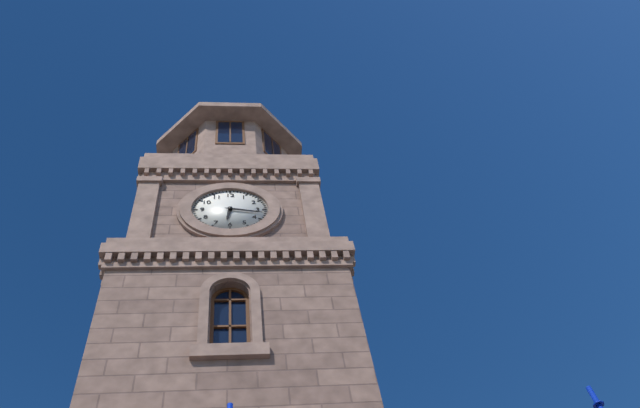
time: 6:17
